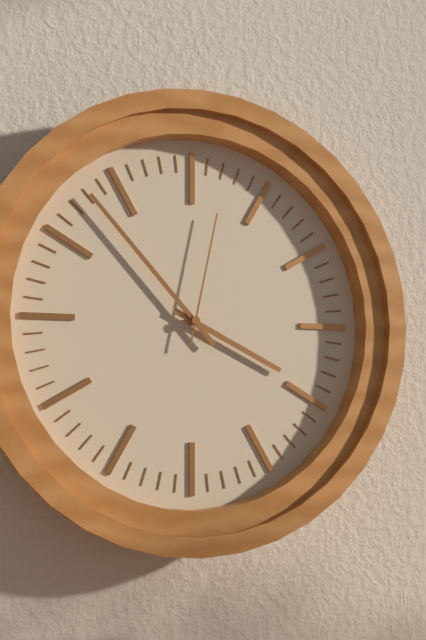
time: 3:53:02
